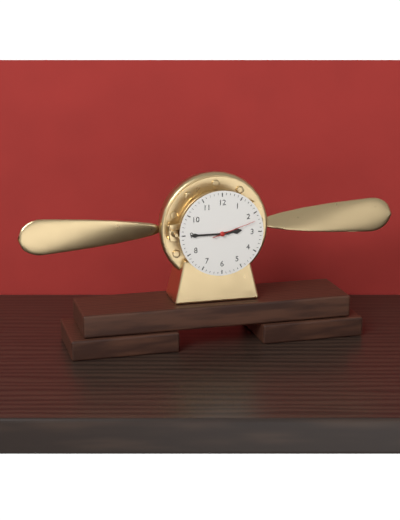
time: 2:45
